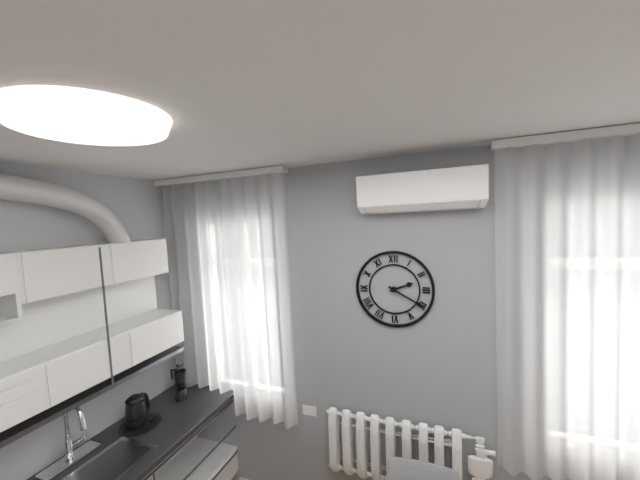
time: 2:20
